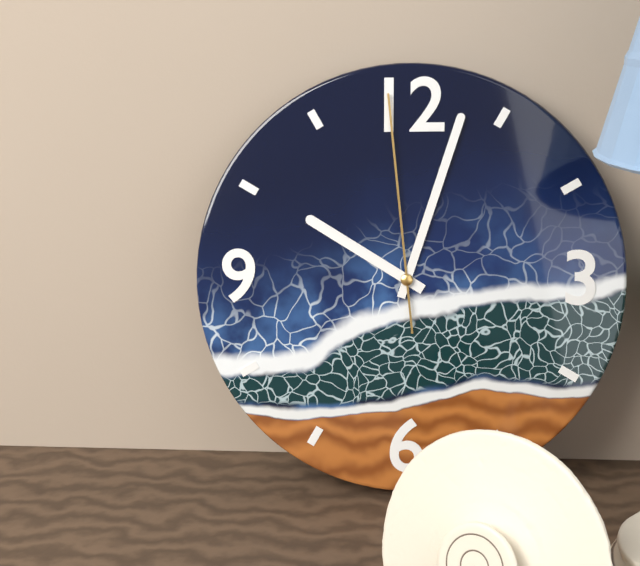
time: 10:03:59
